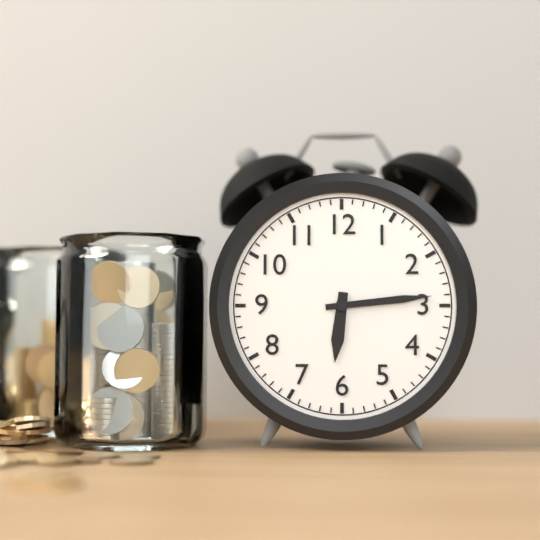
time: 6:14
